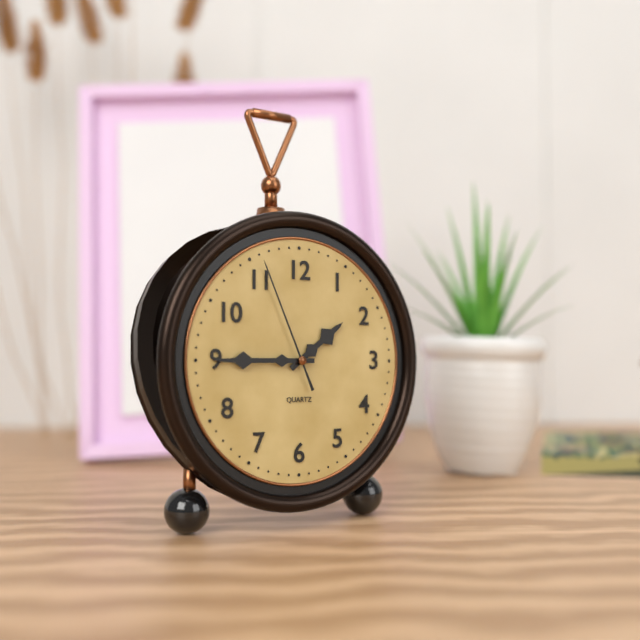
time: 1:45:56
